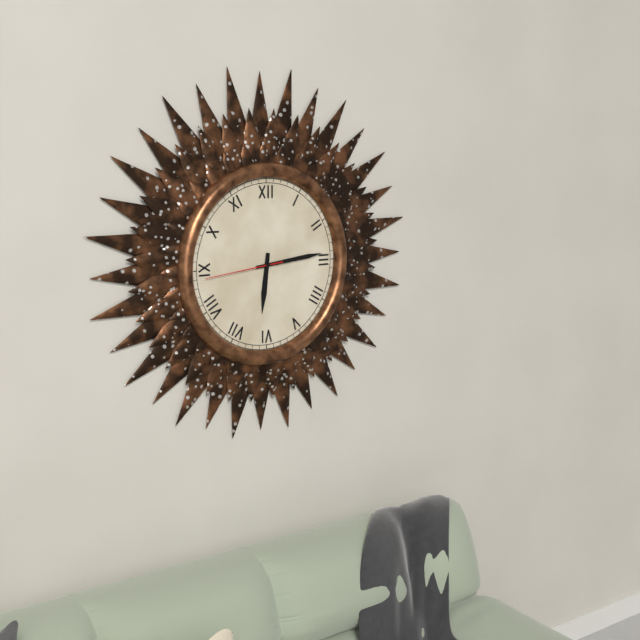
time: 6:14:44
